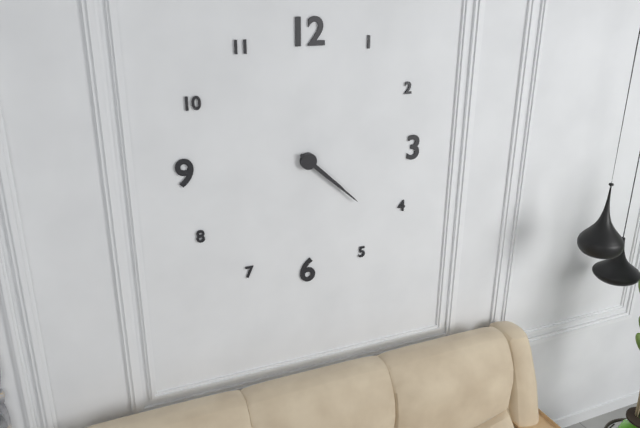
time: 4:22
